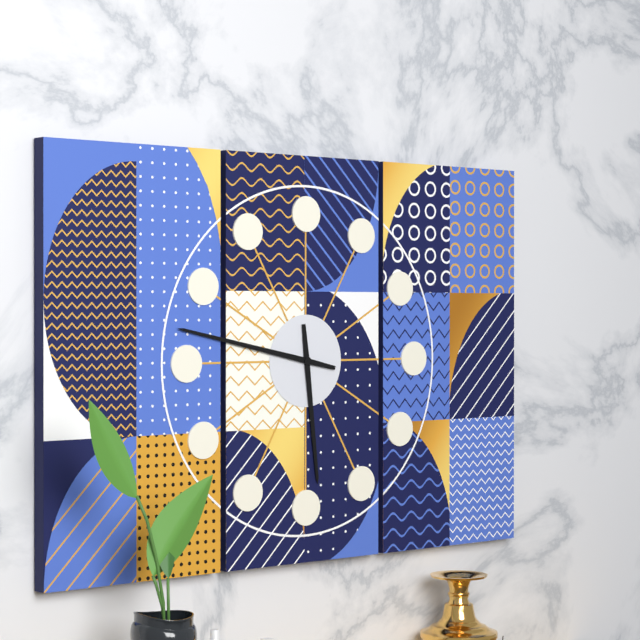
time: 5:47
